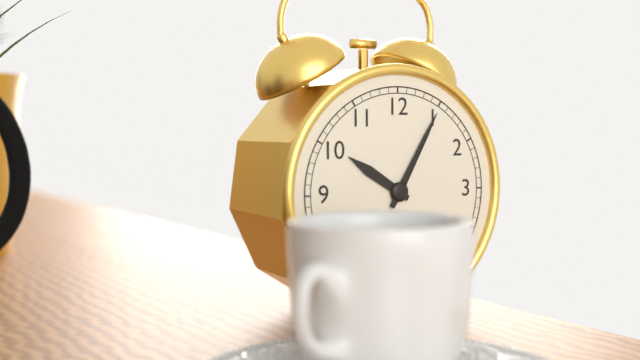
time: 10:05
